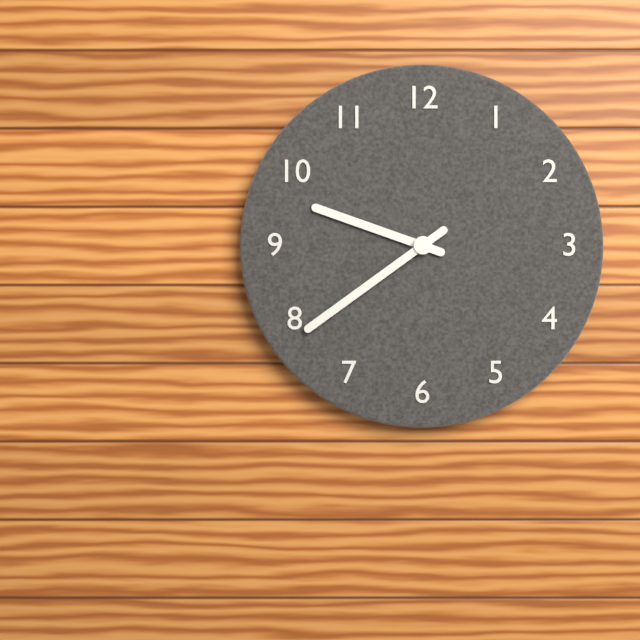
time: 9:39
